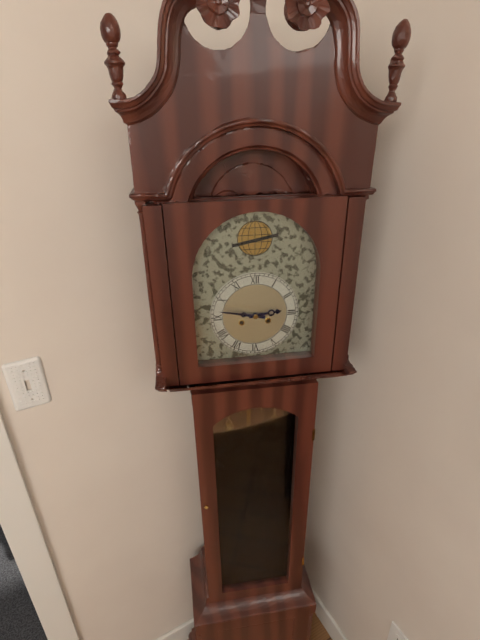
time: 2:47
